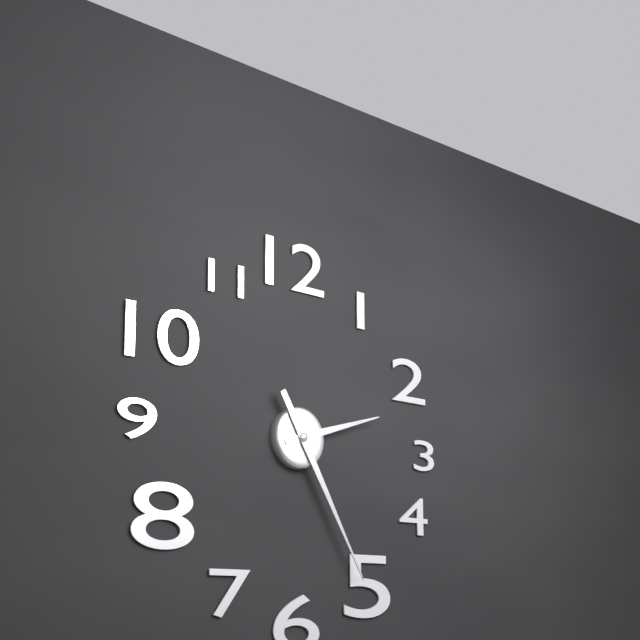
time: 2:25
